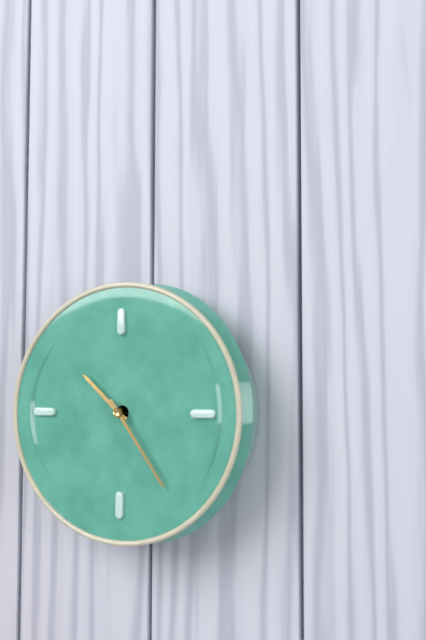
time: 10:24
